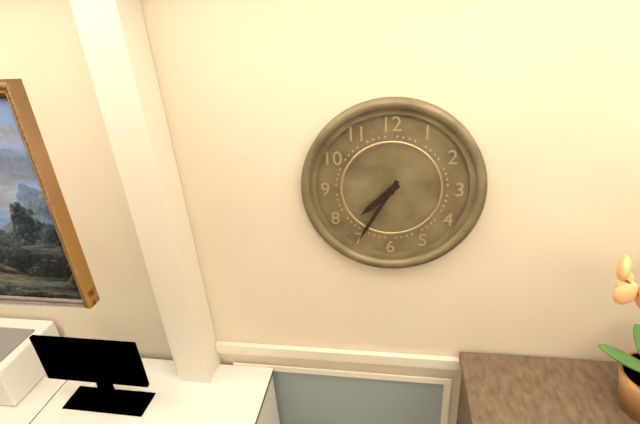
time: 7:35
